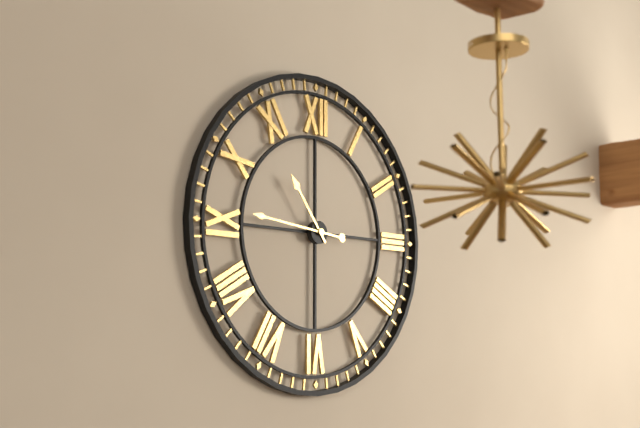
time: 10:46
